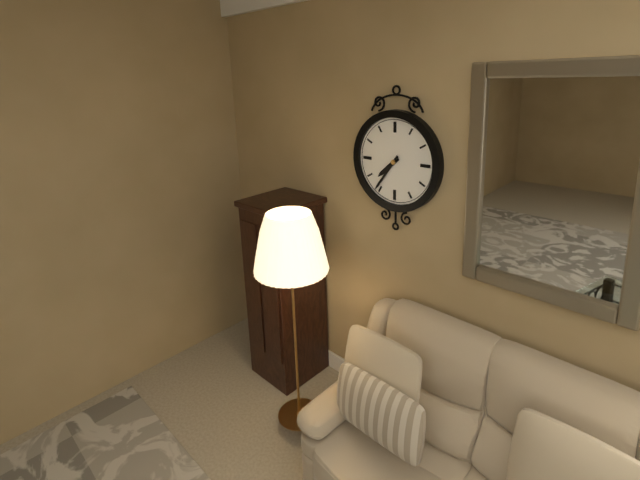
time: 7:36
